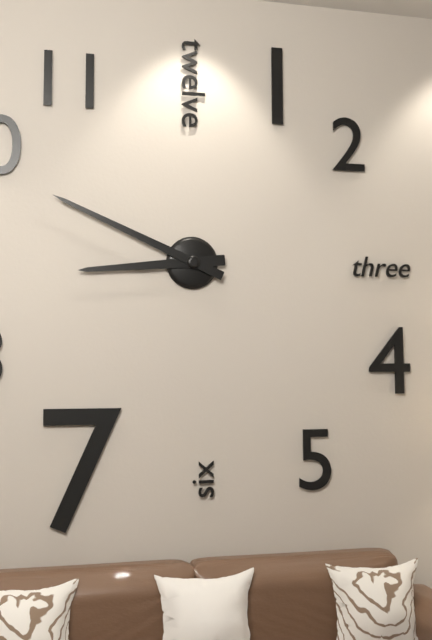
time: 8:49
